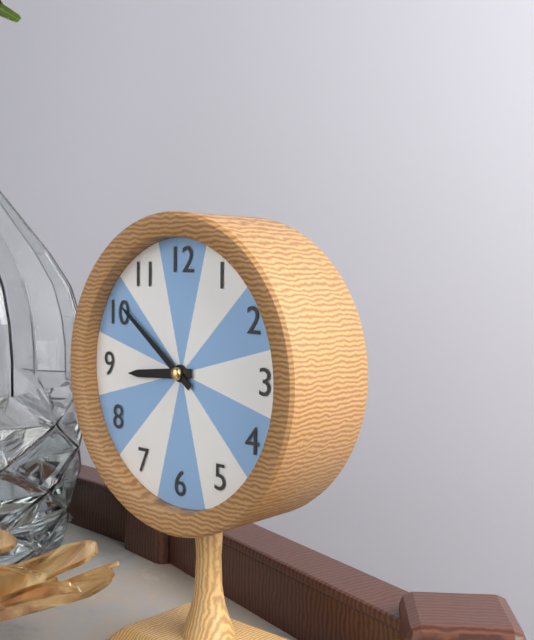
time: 8:51
